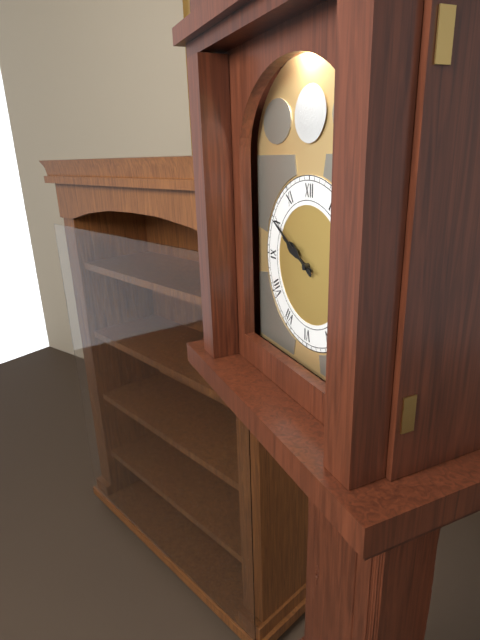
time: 9:50
